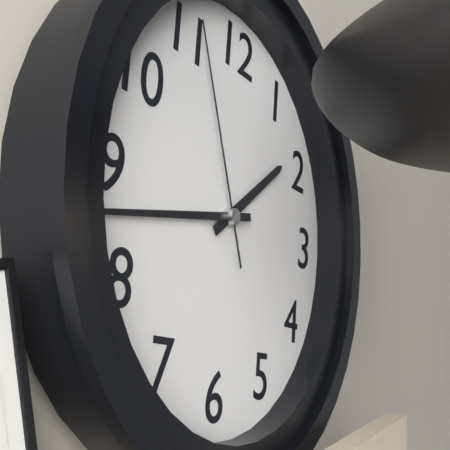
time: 1:43:56
